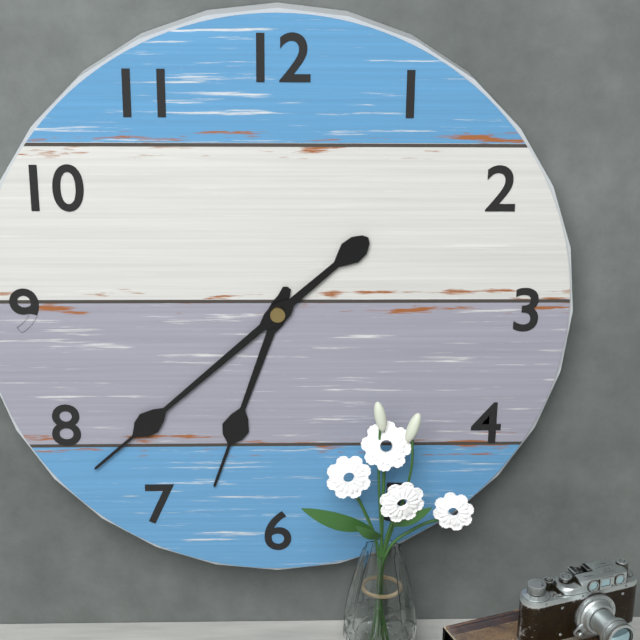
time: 6:38
